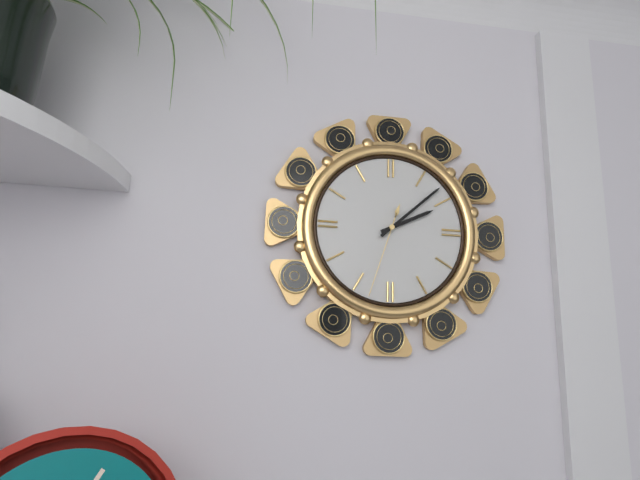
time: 2:08:33
